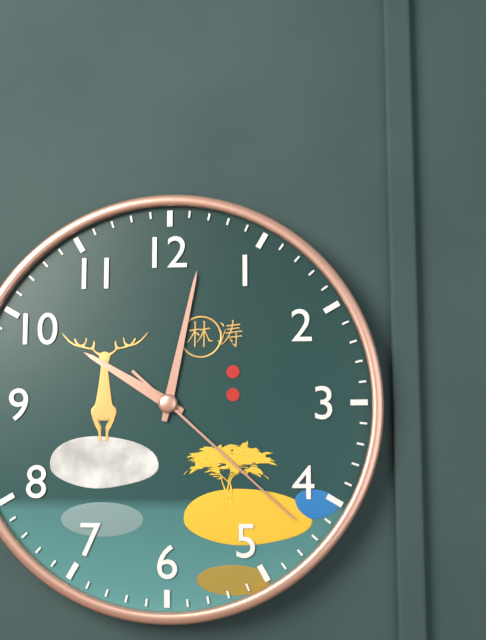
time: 10:02:22
